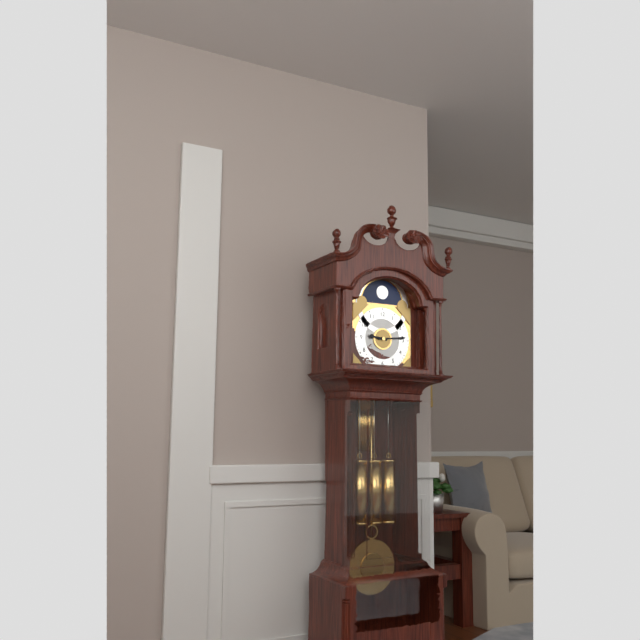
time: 9:14
